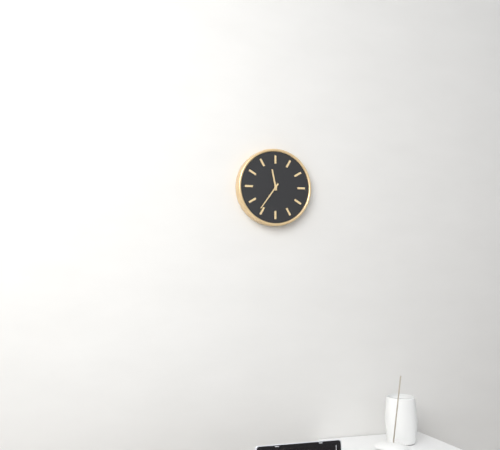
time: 11:36
